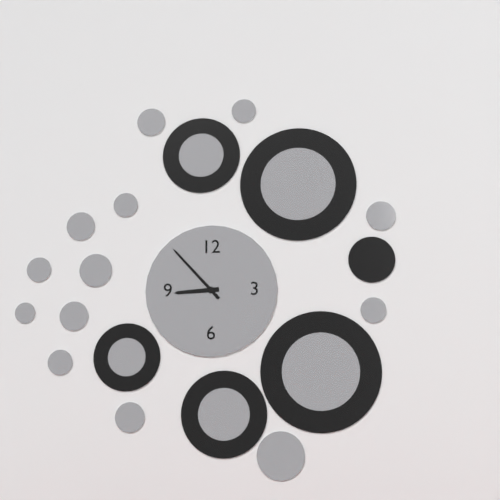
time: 8:53
